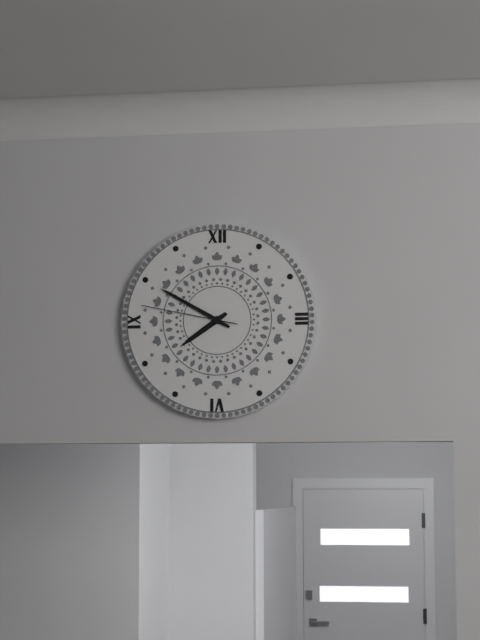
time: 7:50:47
